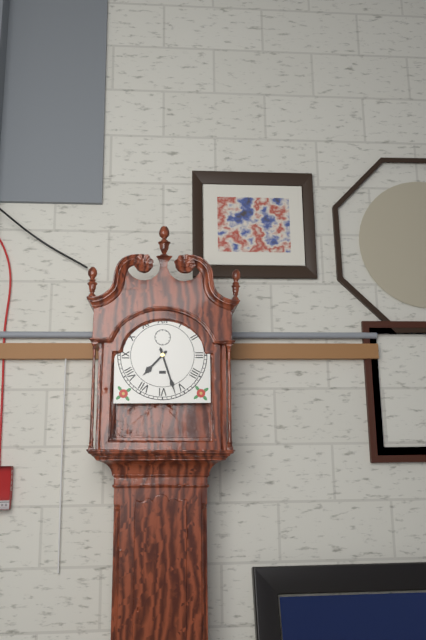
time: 7:27
